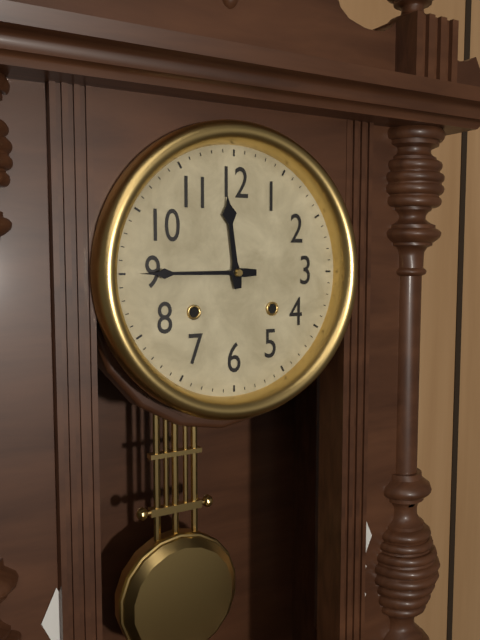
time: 11:45
